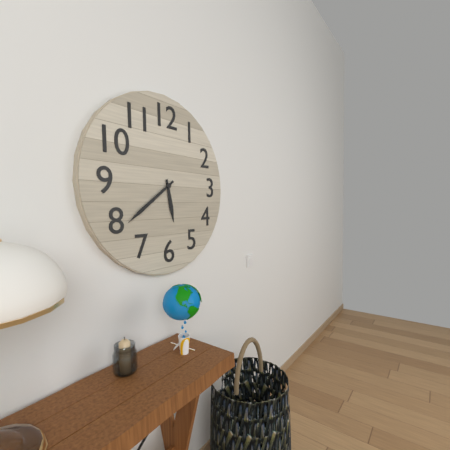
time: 5:39
